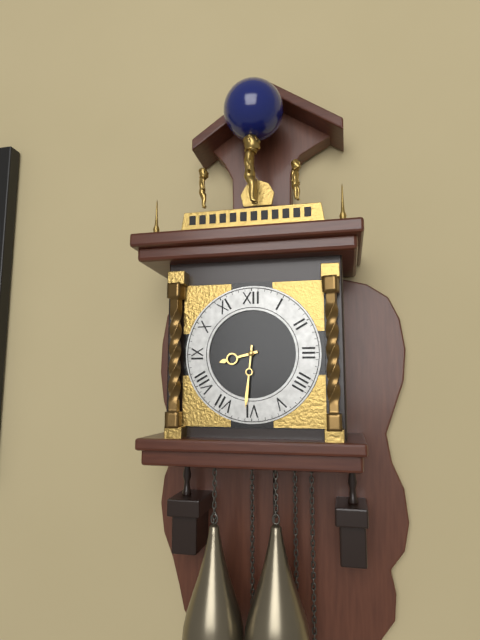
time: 8:31
